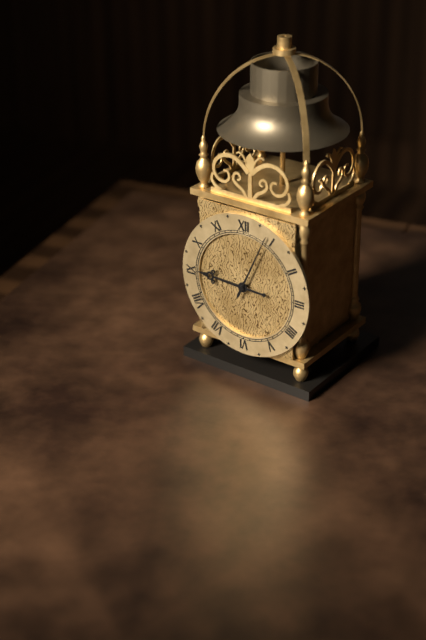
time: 9:04
